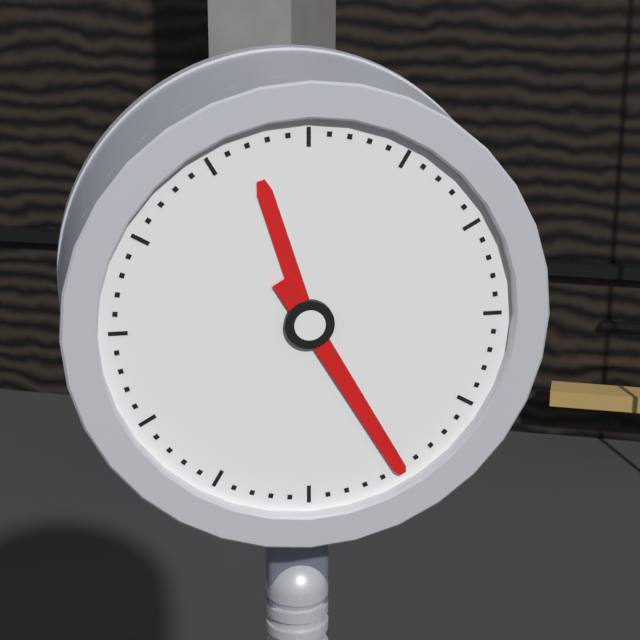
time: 11:25
